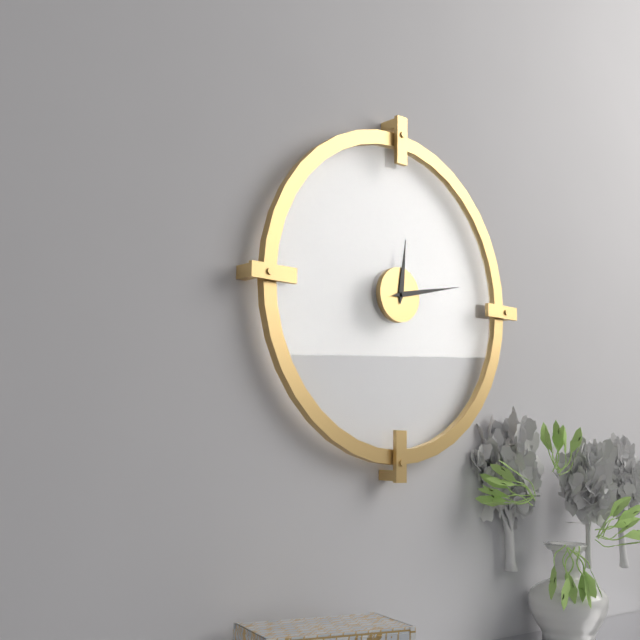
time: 12:13
